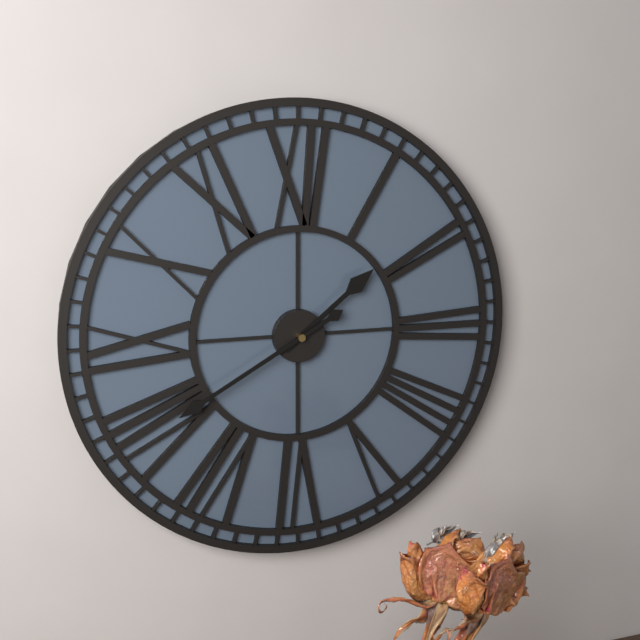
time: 1:40
